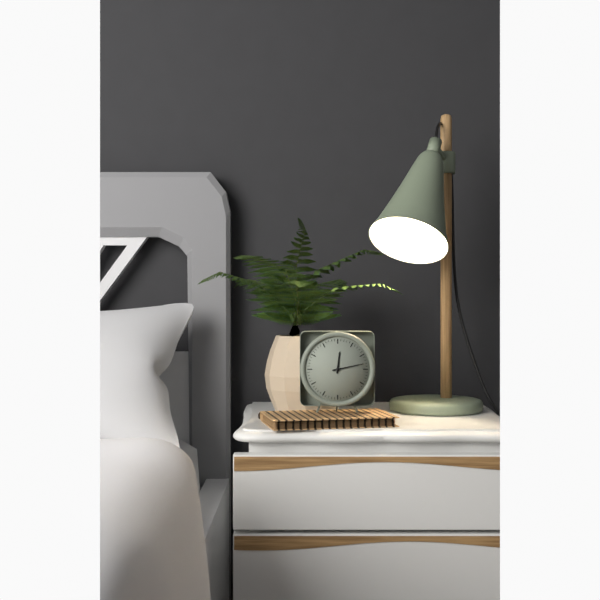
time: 12:13
